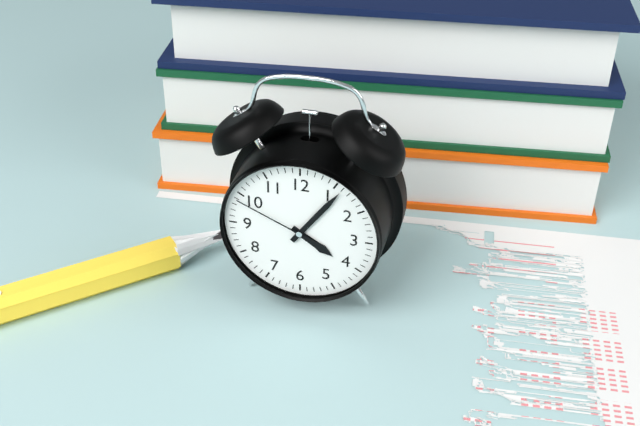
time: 4:06:49
